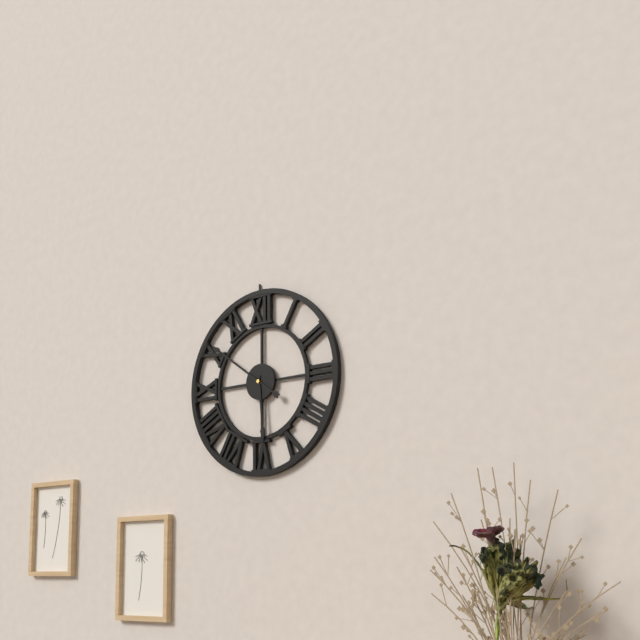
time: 5:51
